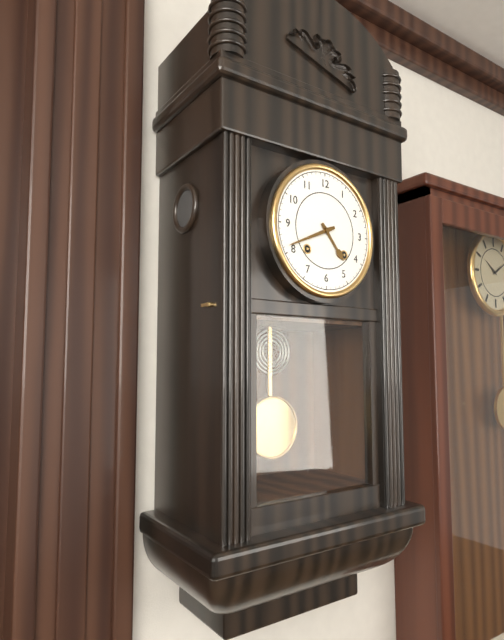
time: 4:41
